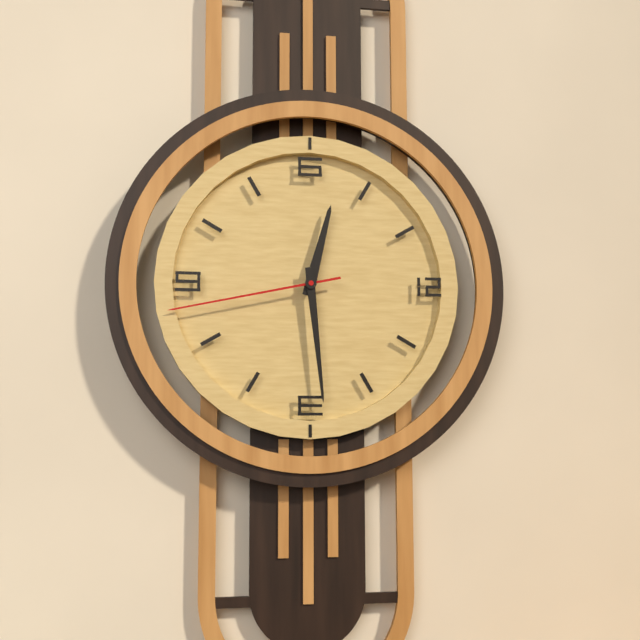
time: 12:29:43
